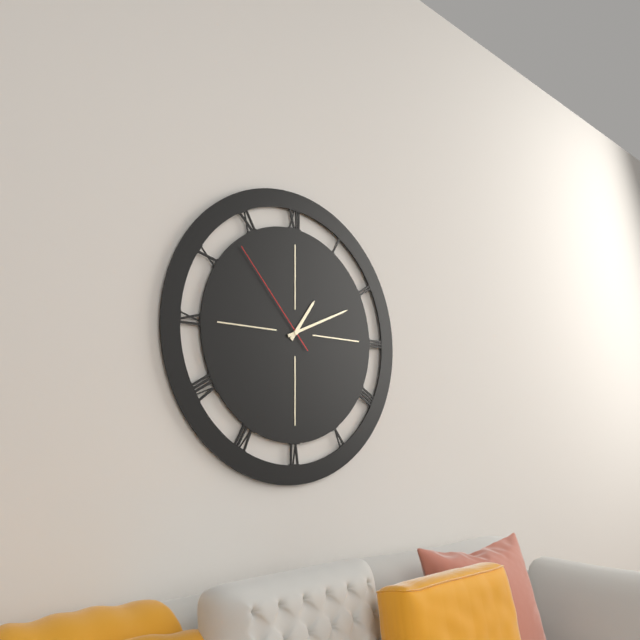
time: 1:11:53
